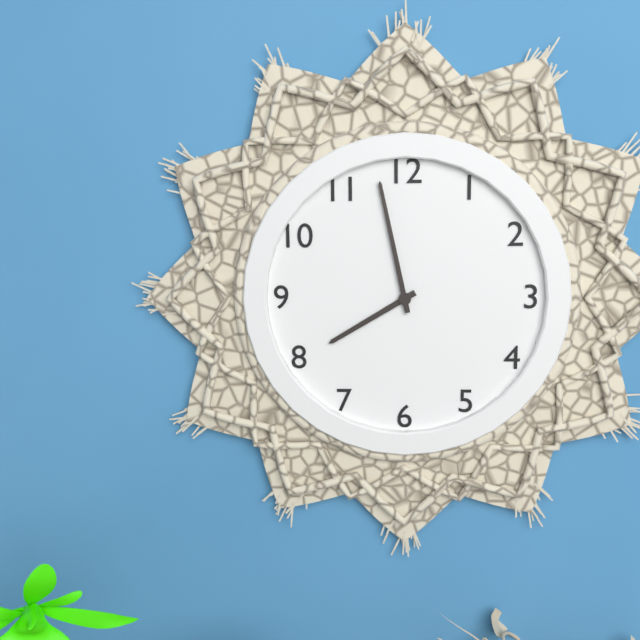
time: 7:58
